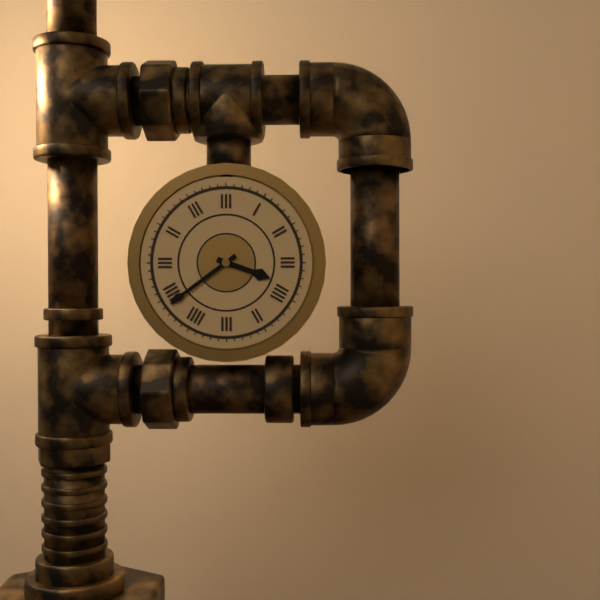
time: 3:39
